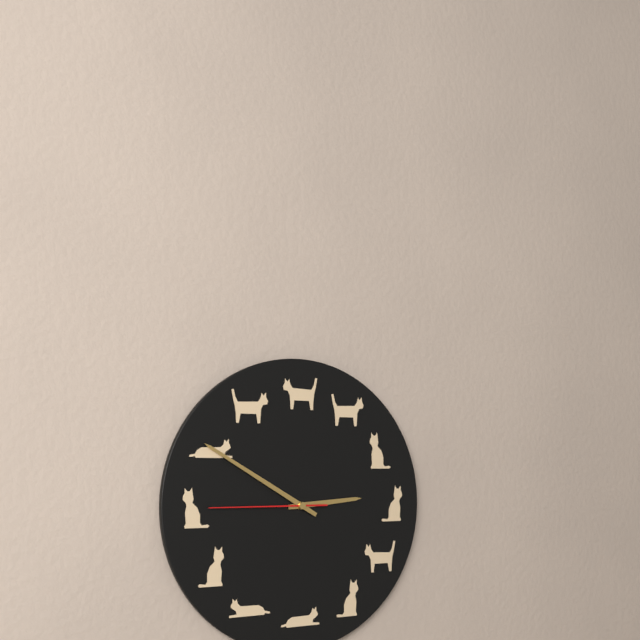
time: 2:50:45
